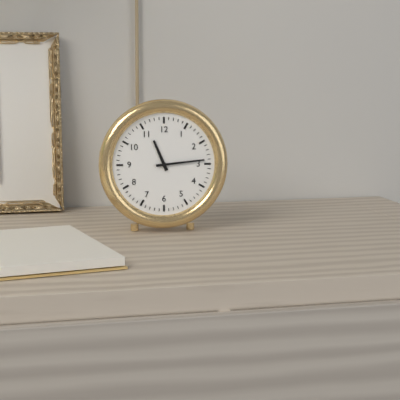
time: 11:14
